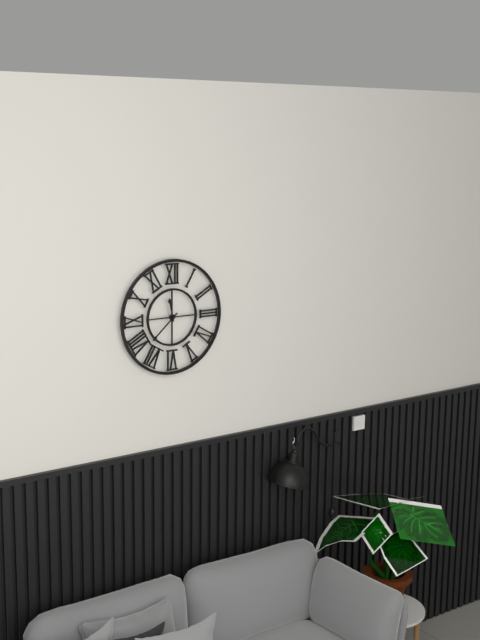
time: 11:38
